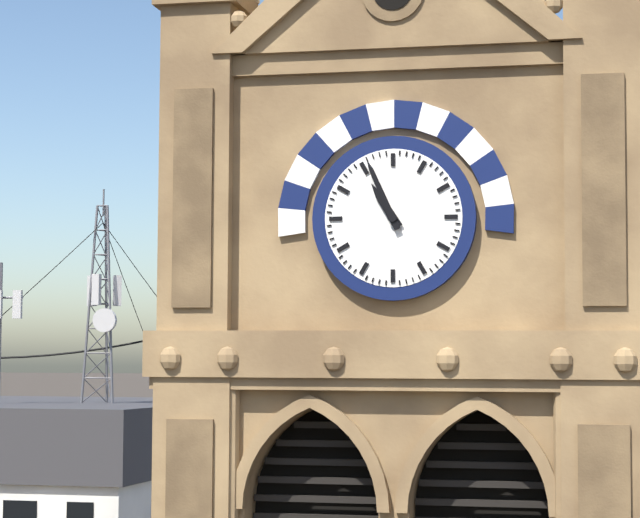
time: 10:56
